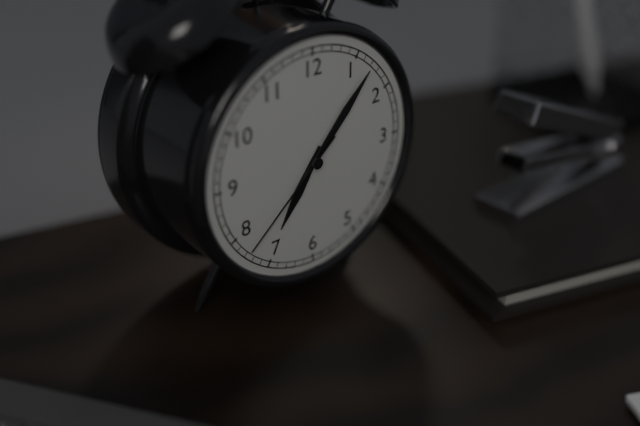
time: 7:07:38
